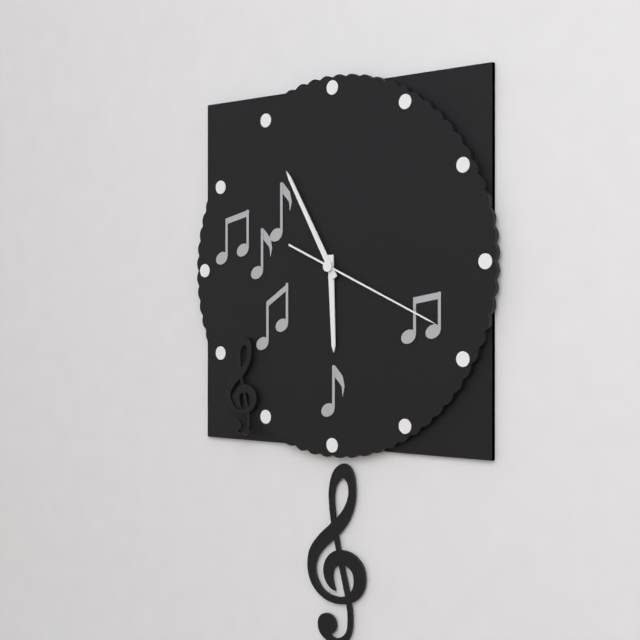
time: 5:55:19
